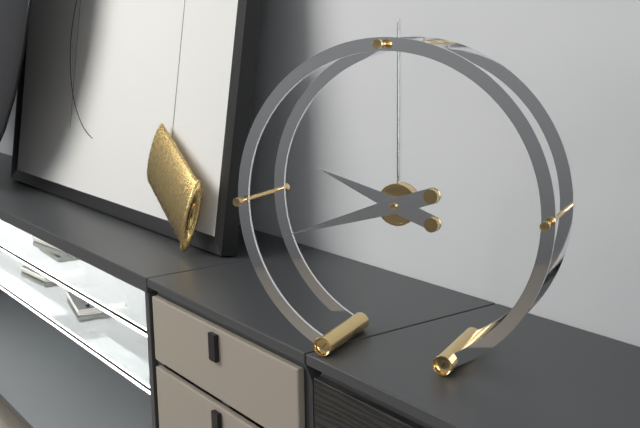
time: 9:42
